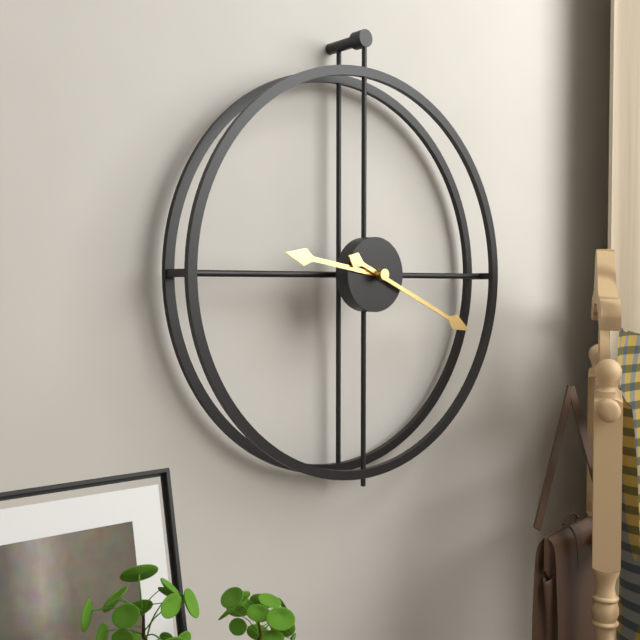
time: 9:19
